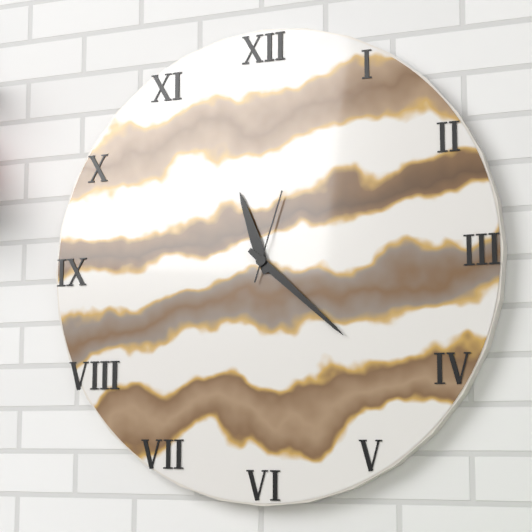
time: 11:22:03
